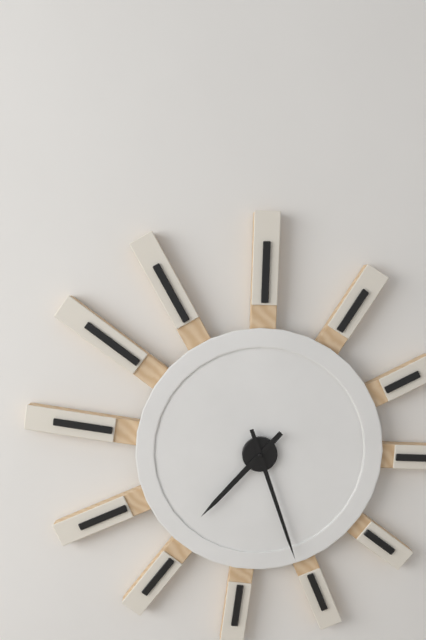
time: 7:27
